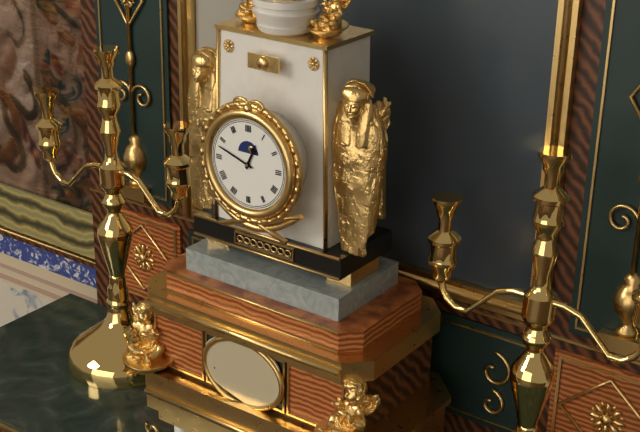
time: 12:48
